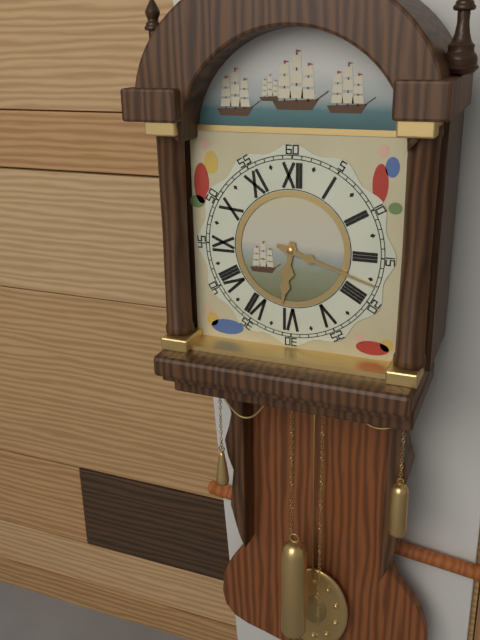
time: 6:18
